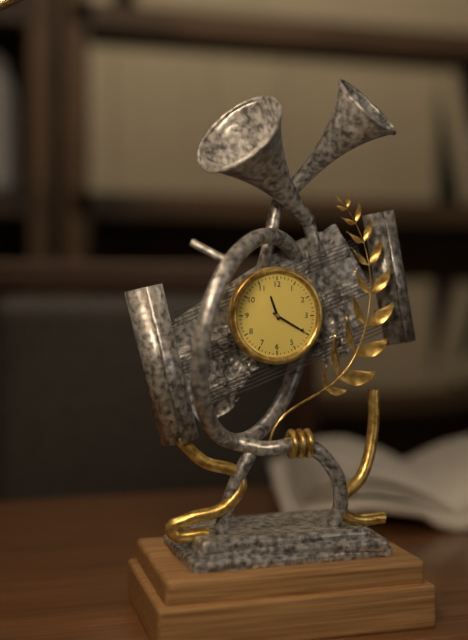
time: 11:20
